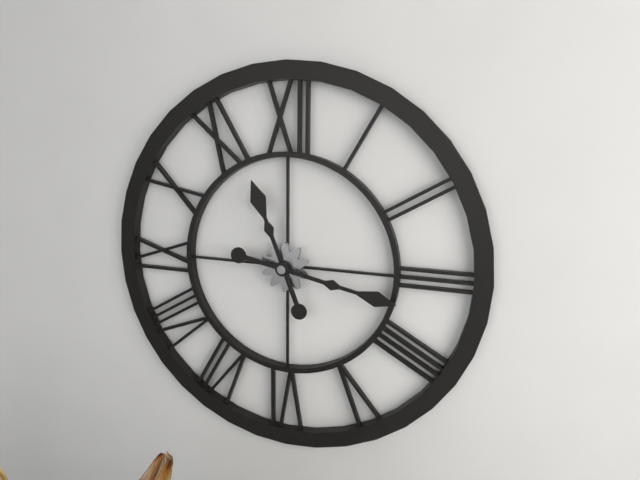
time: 11:17
